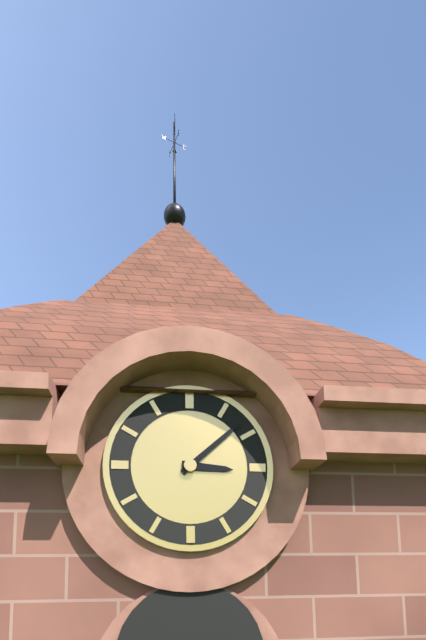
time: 3:08
